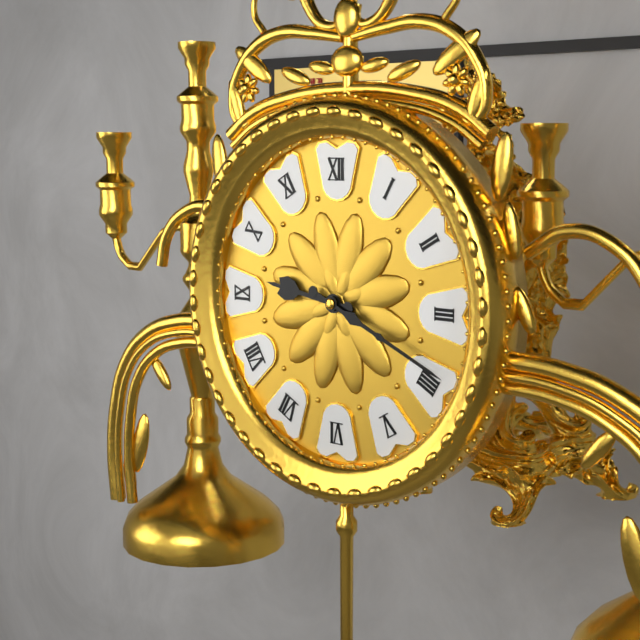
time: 9:19
